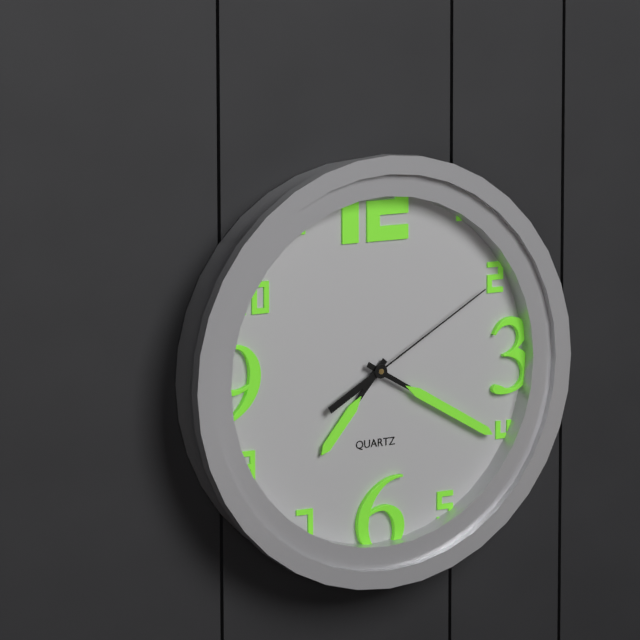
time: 7:20:10
